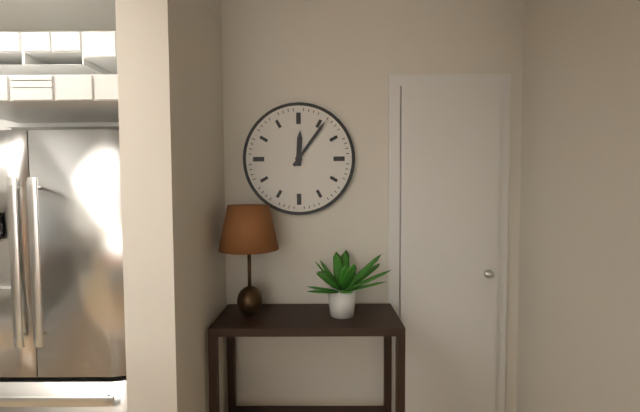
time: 12:06
